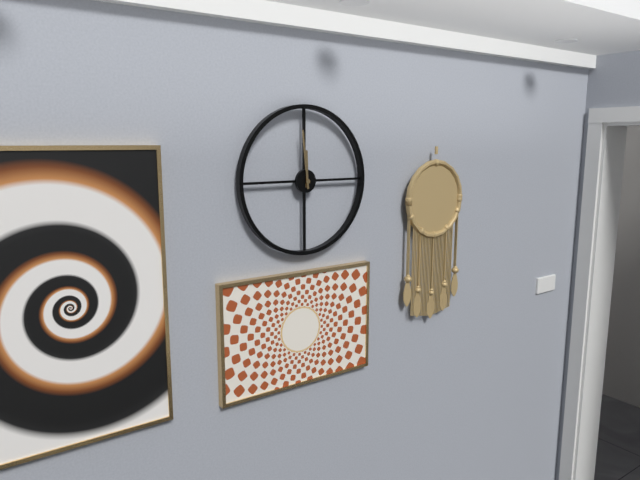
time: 11:59
